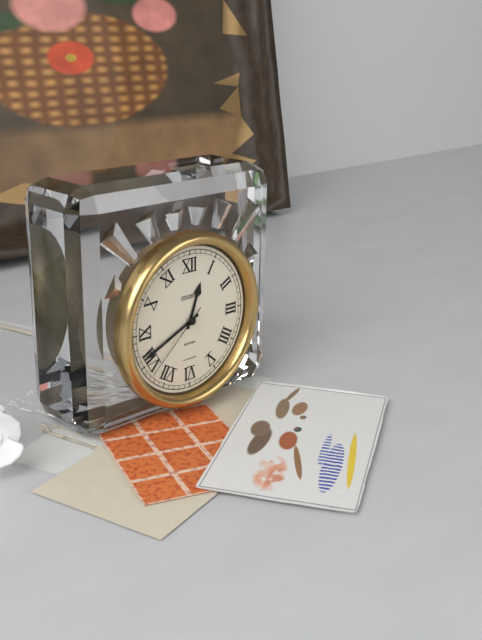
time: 12:41:38
